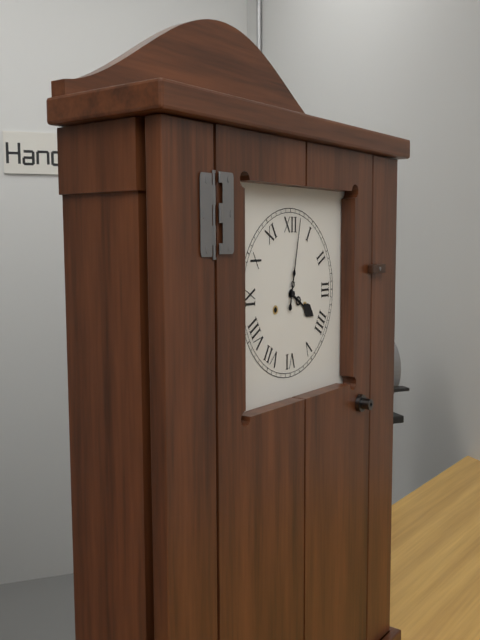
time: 4:02
